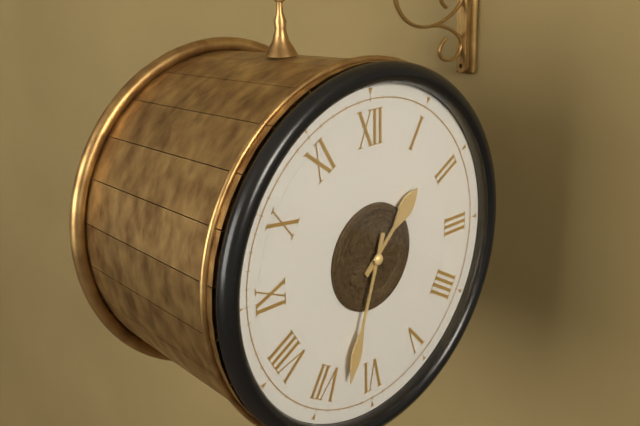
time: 1:33
